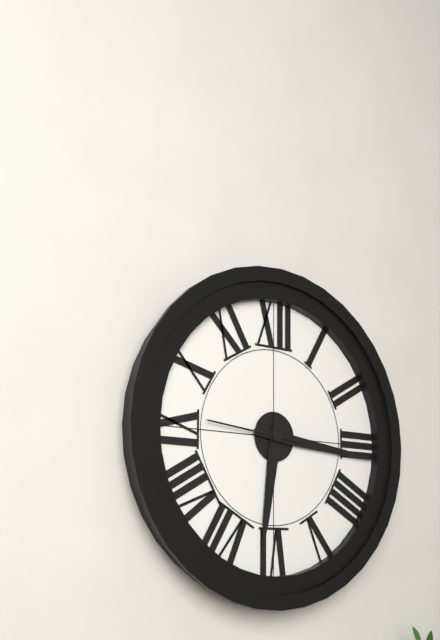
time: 6:16:46
